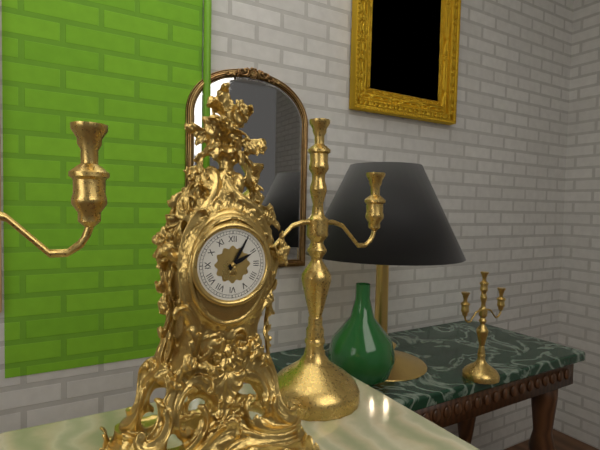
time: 2:05
